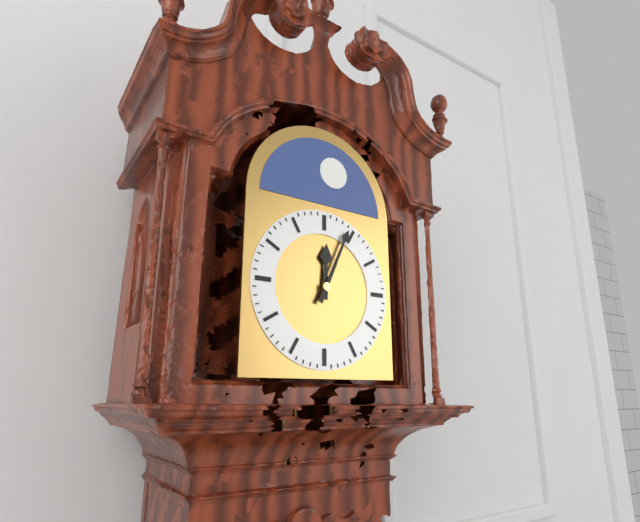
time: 12:04
